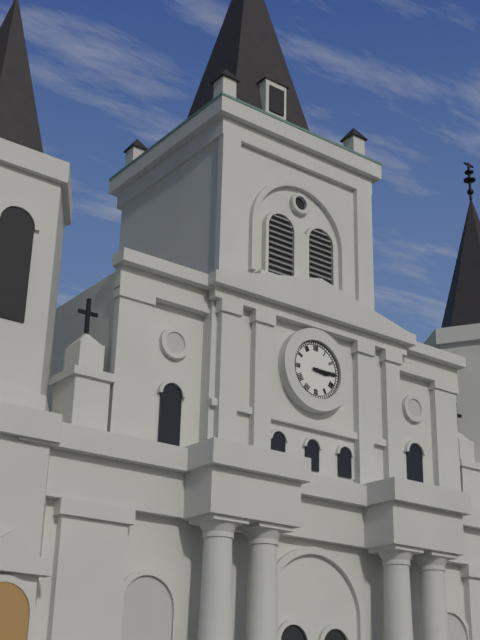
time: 3:15
